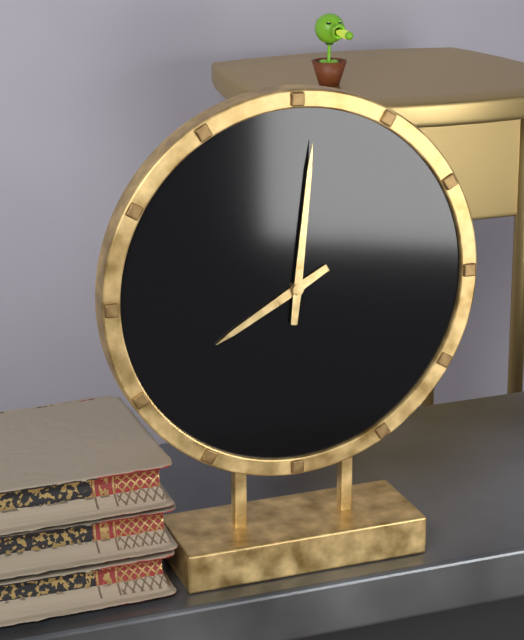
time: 8:01
